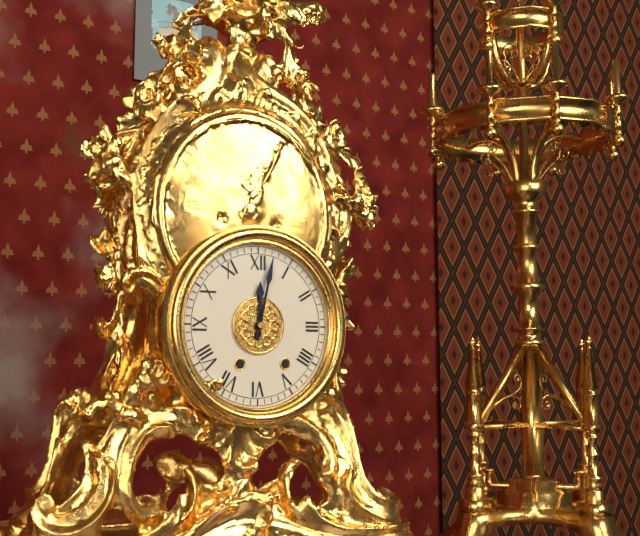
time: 12:02
